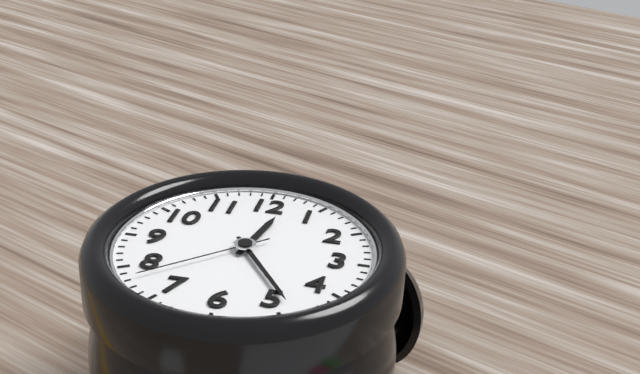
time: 12:24:38
